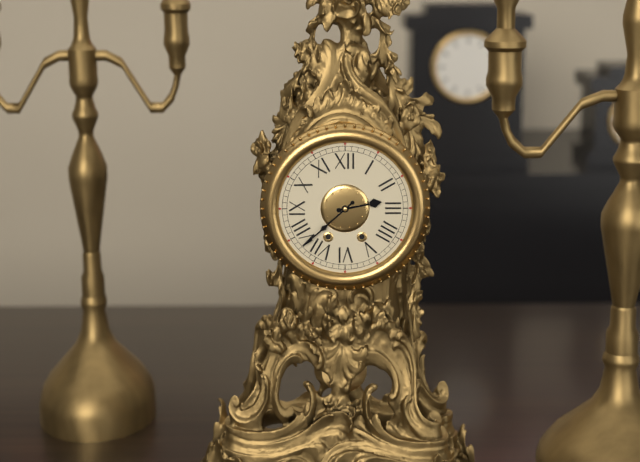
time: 2:38
